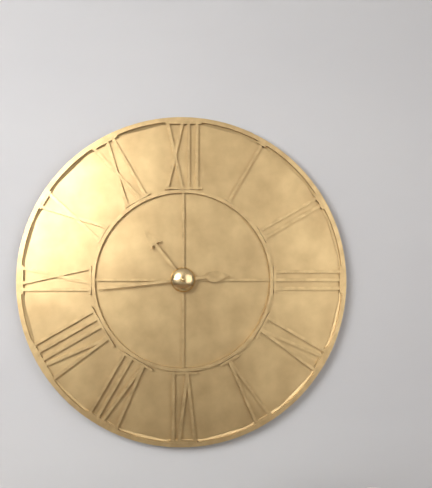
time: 10:44
